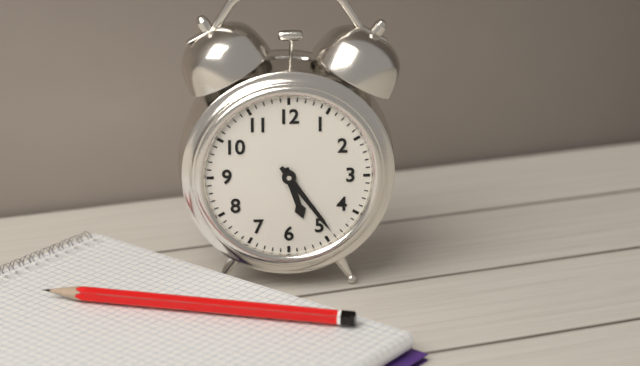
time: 5:24
